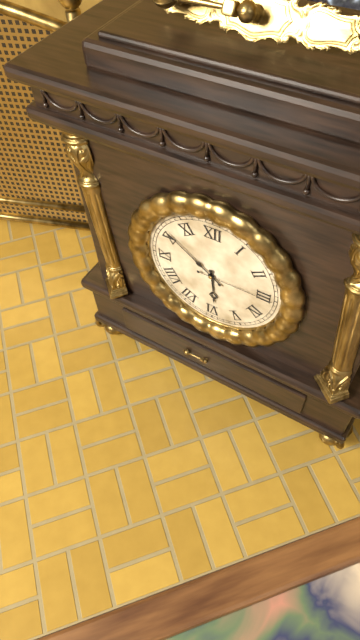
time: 5:51:15
